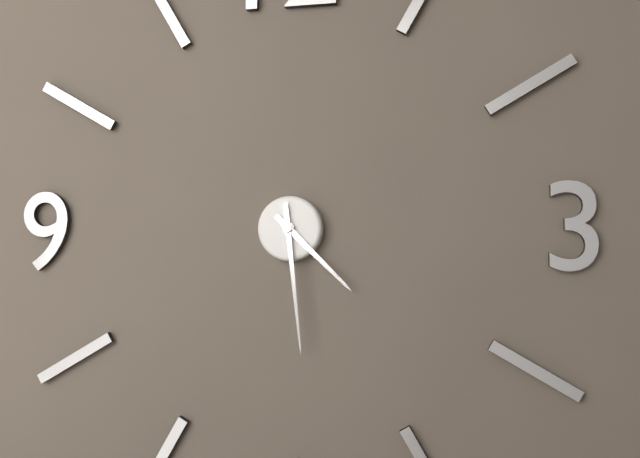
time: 4:29
